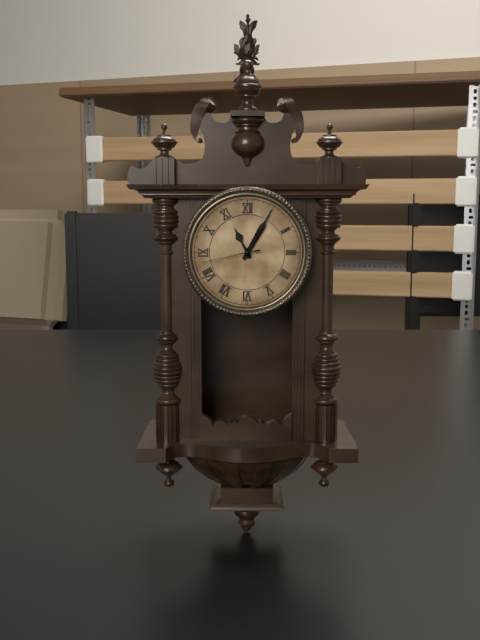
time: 11:05:43
